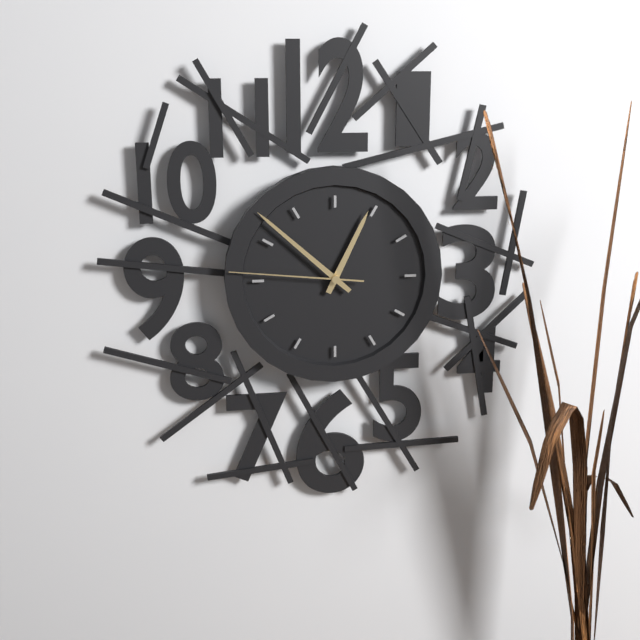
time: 12:52:46
